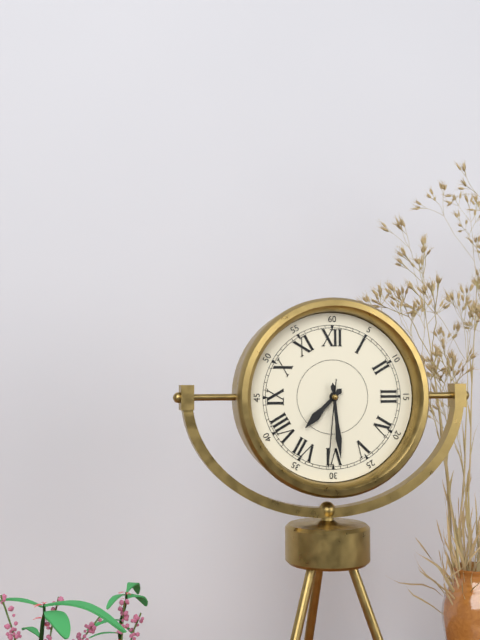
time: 7:29:31
